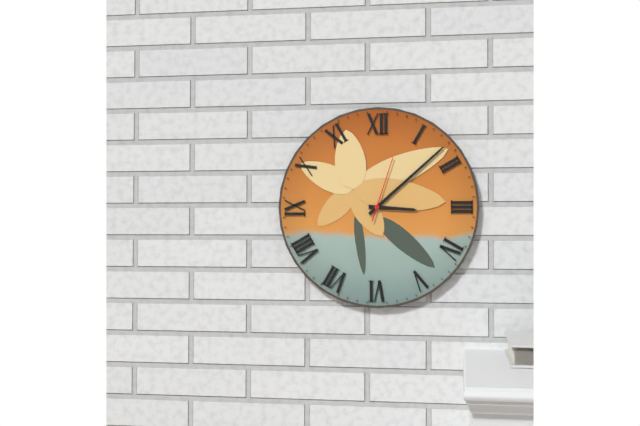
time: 3:08:03
